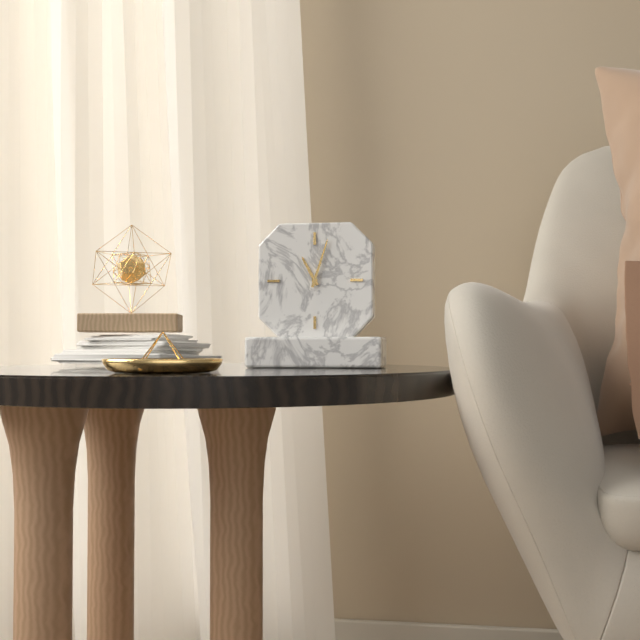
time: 11:03
